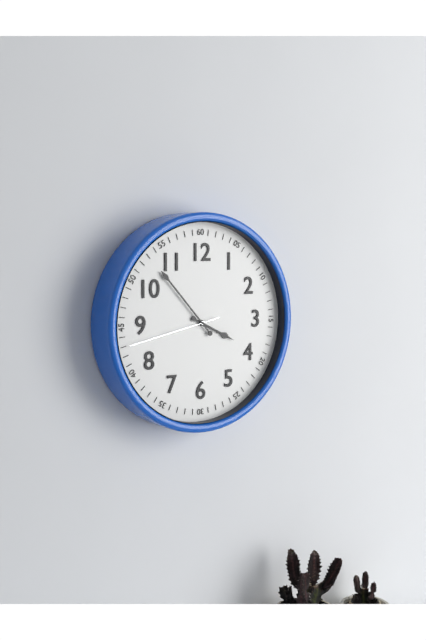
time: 3:53:43
